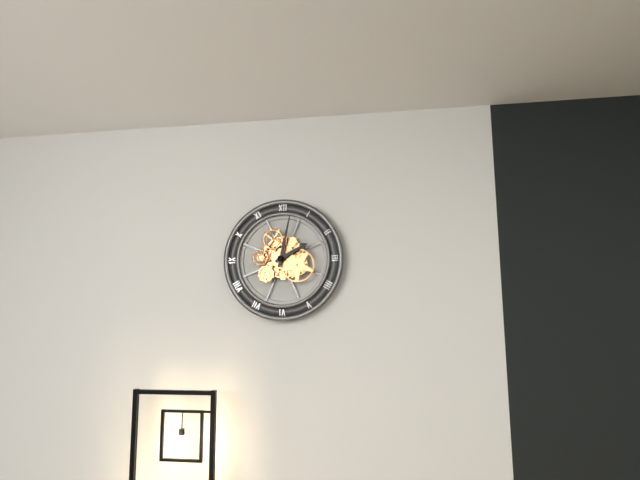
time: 2:02
